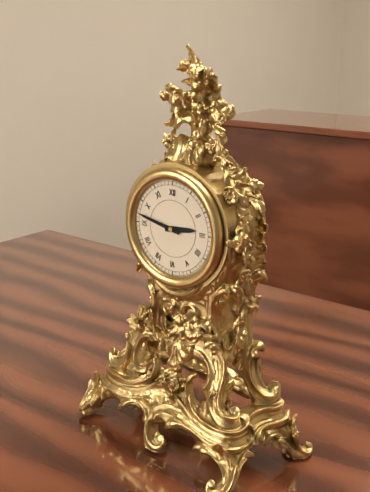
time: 2:47
